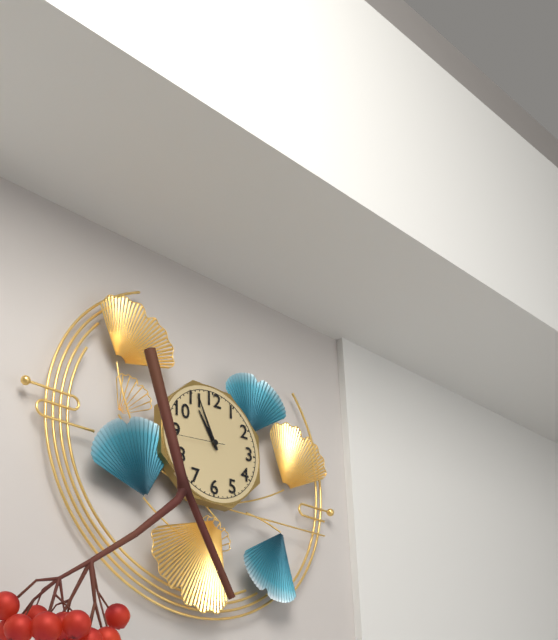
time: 10:56
